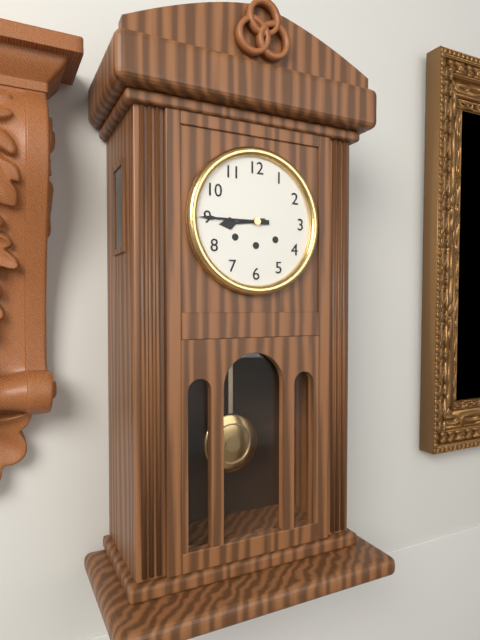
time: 8:45
